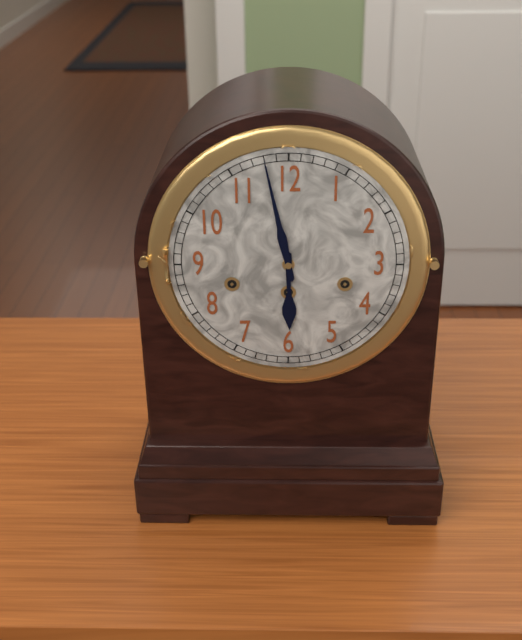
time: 5:58
